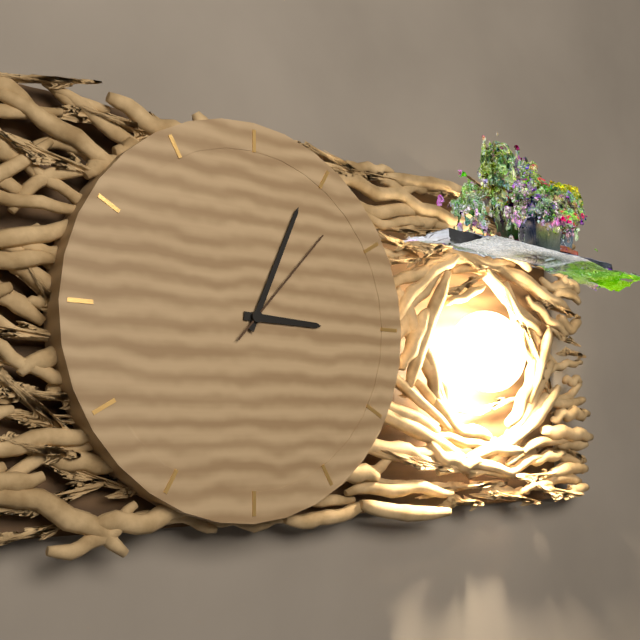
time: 3:04:07
